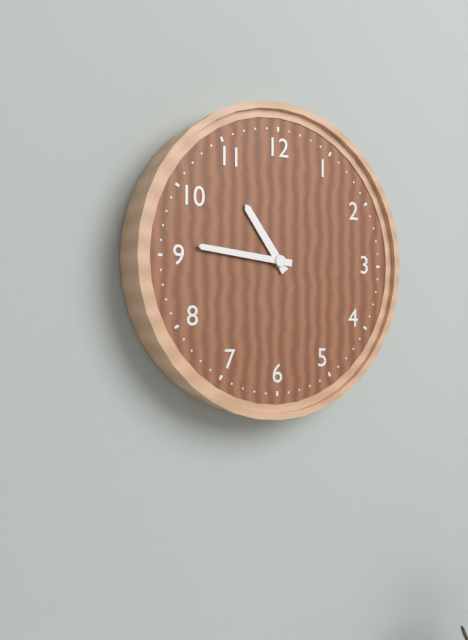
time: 10:46
